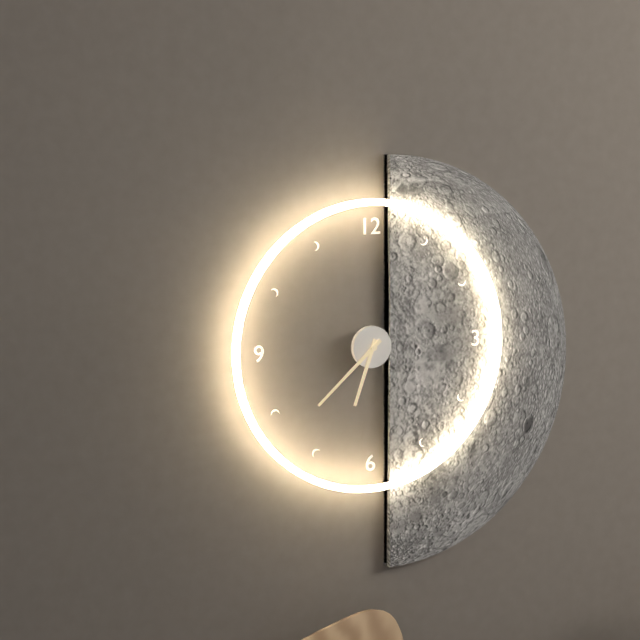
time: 6:38
